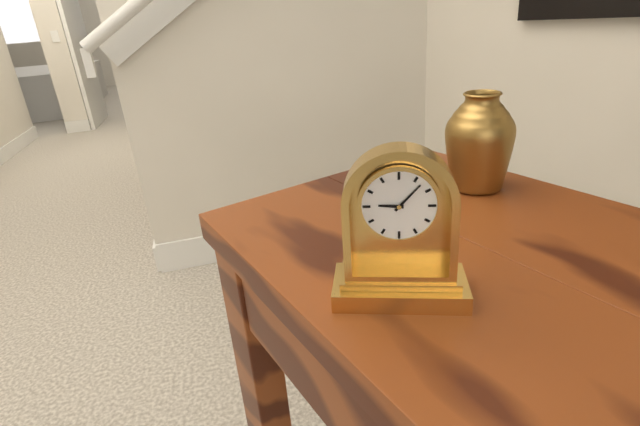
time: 9:07
